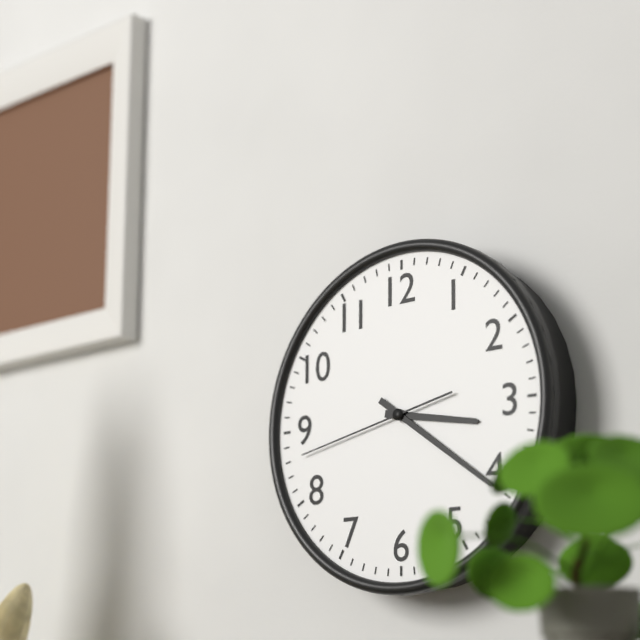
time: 3:21:43
